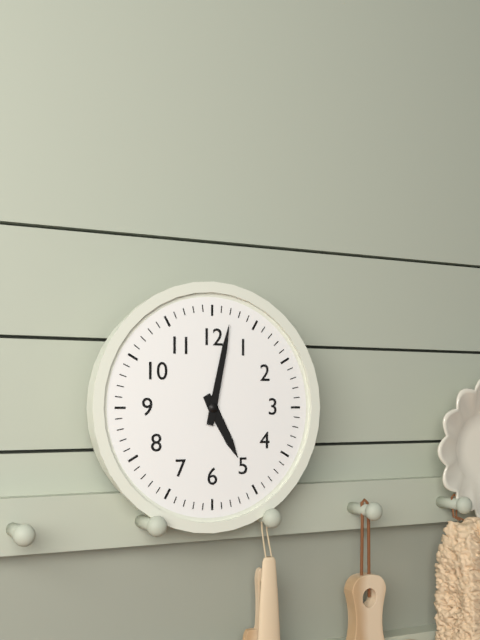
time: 5:02
